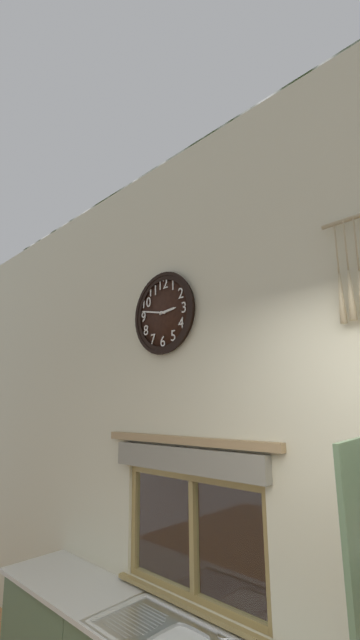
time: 2:47
